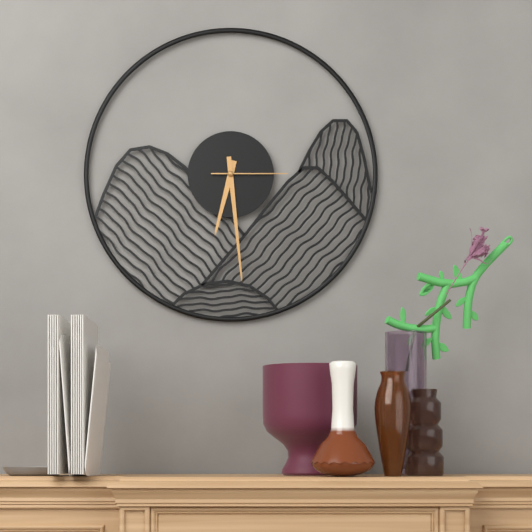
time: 6:29:15
